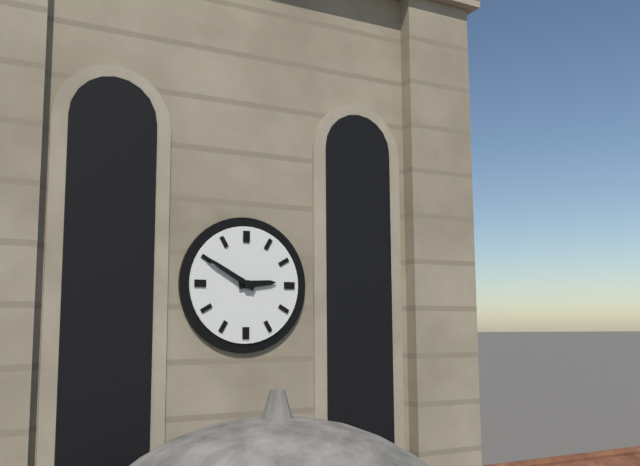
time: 2:50
